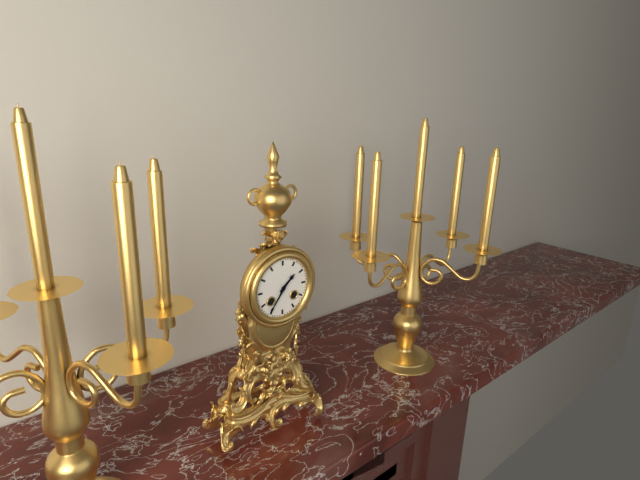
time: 1:36
